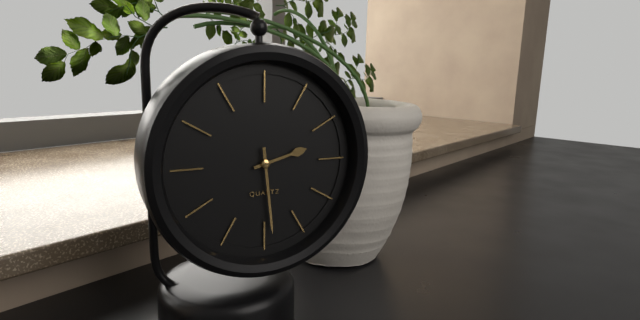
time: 2:29
